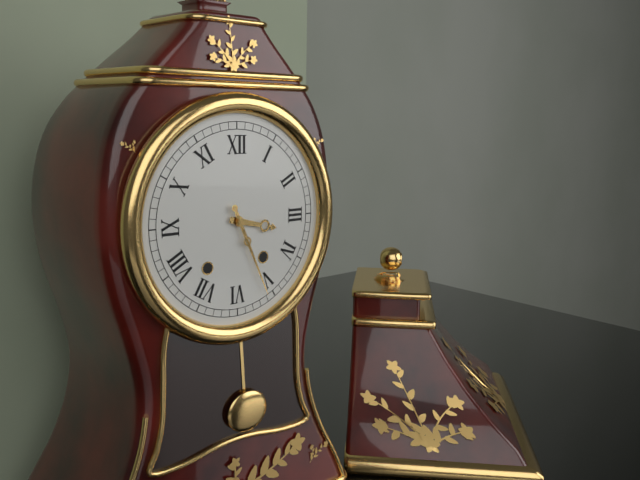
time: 3:26
